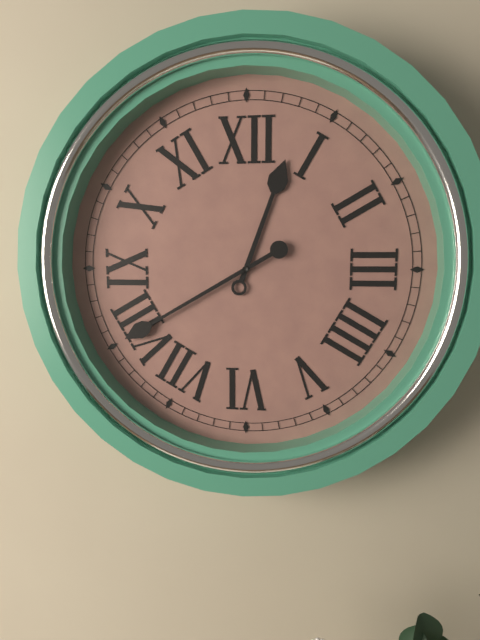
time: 12:40
